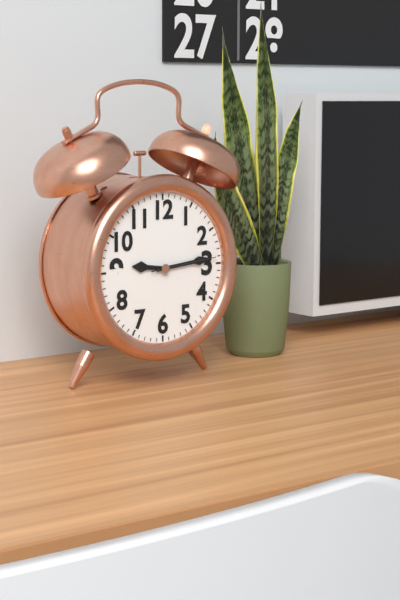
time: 9:14:14
